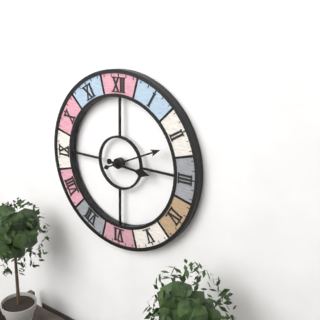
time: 3:11
